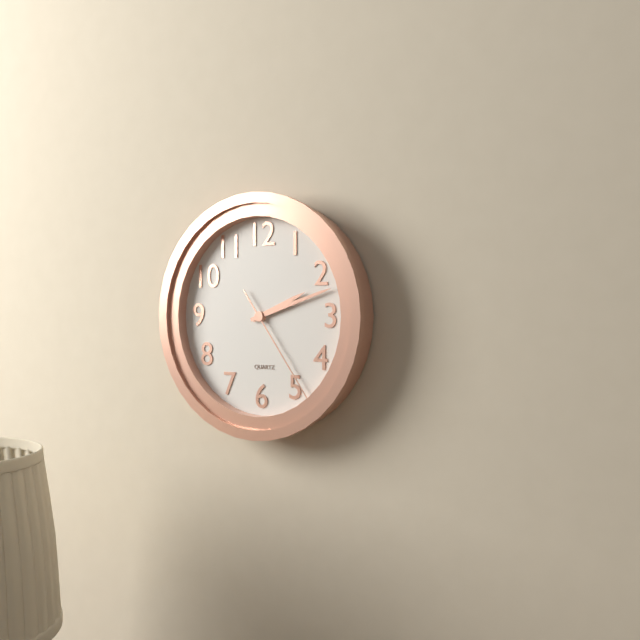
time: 2:12:24
